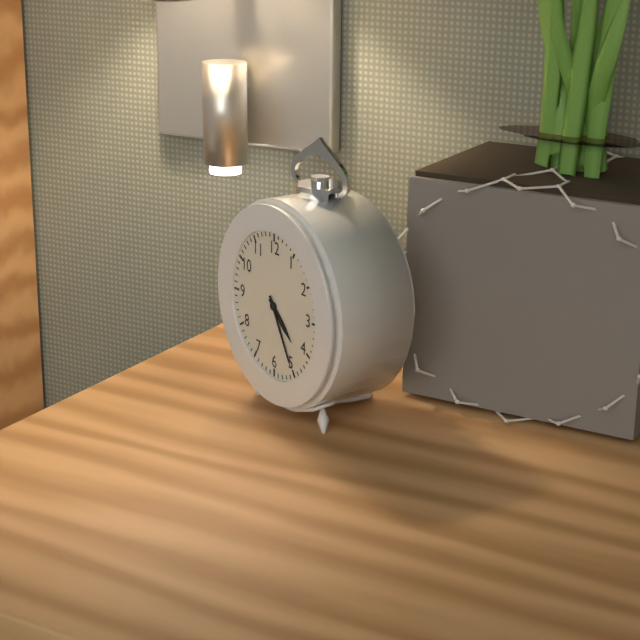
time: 4:25
